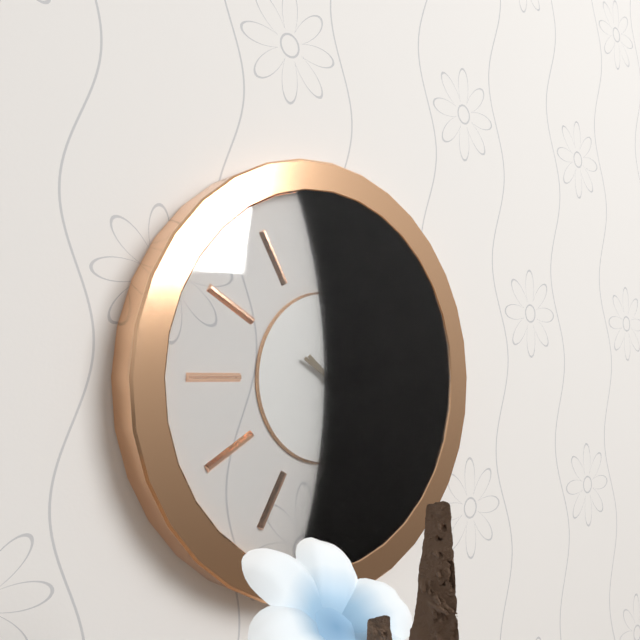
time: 4:20
